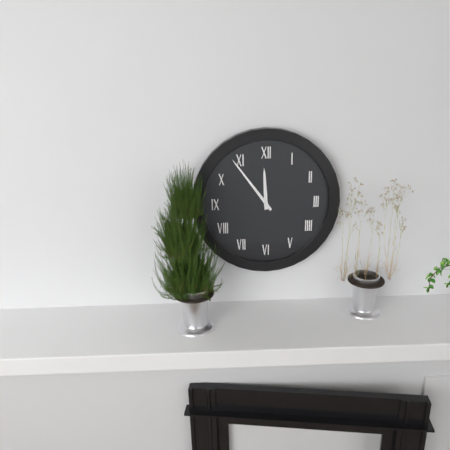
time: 11:54
